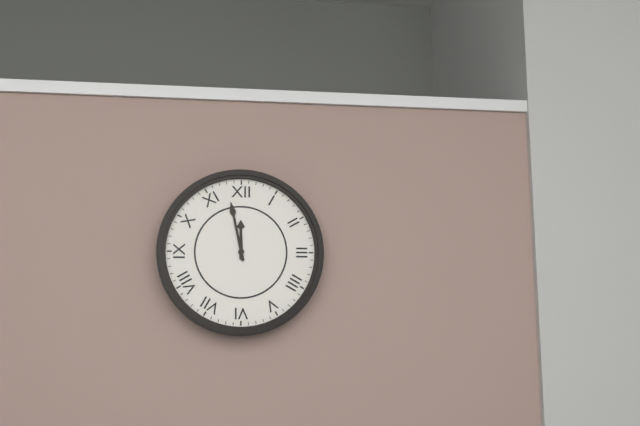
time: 11:58
